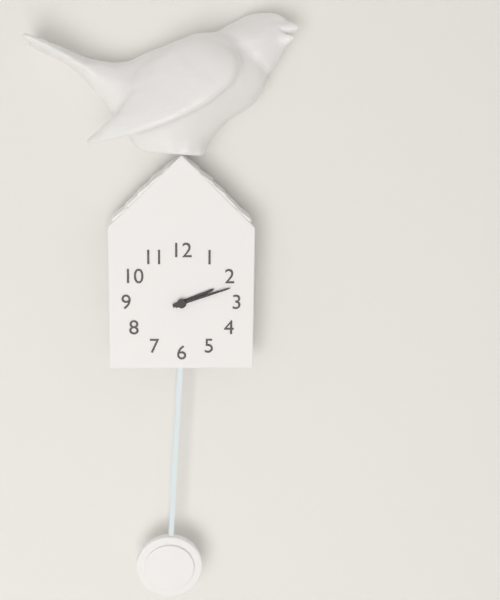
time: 2:12
